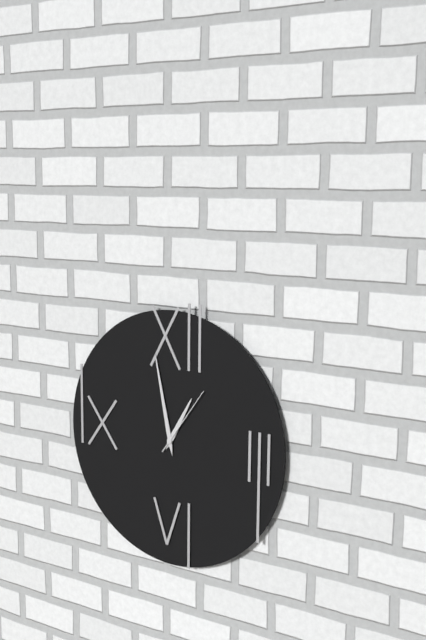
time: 12:58:06
